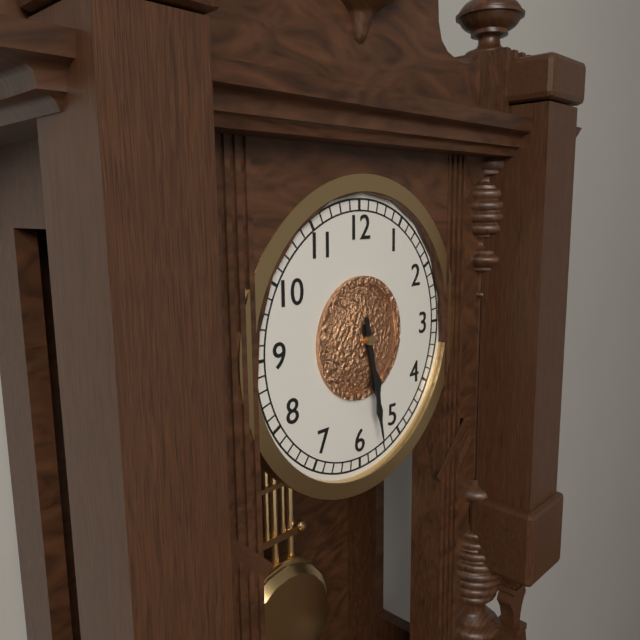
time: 5:28
